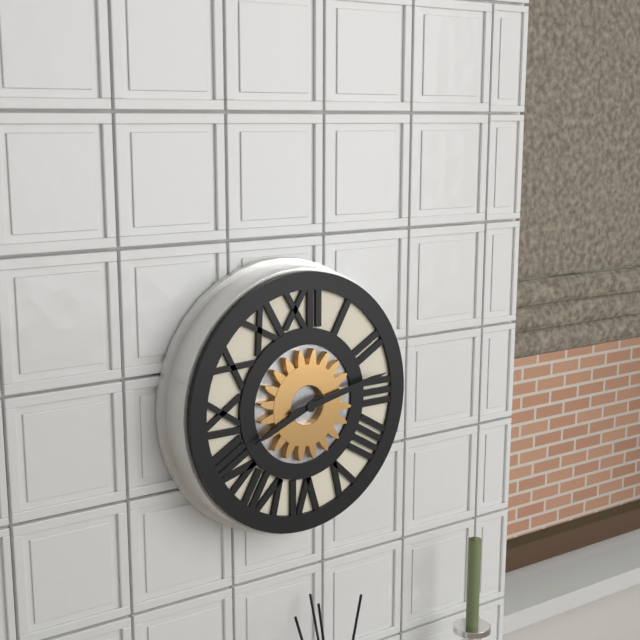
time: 8:13
